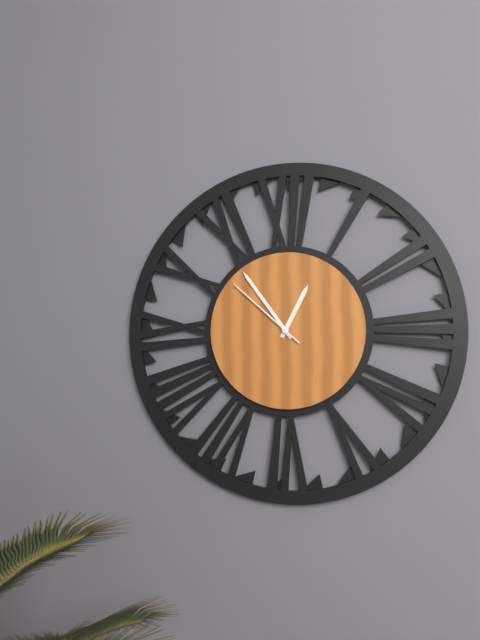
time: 12:54:52
